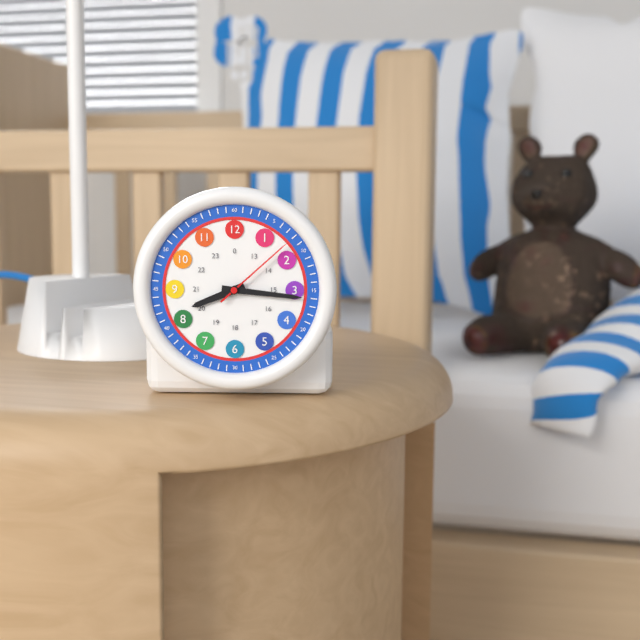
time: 8:16:08
